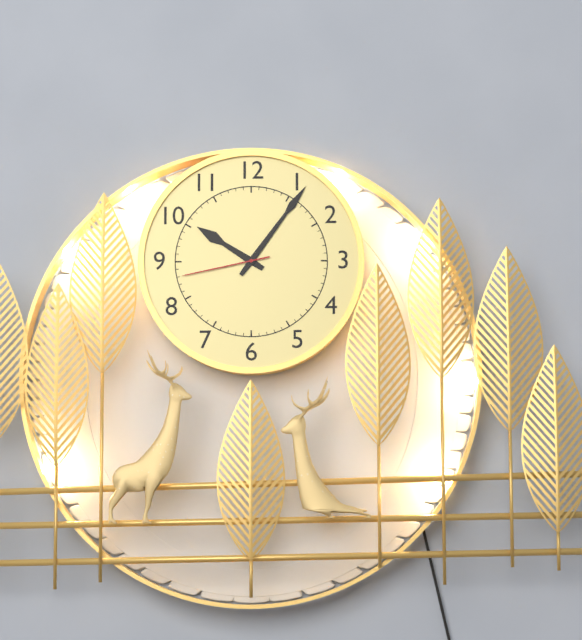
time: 10:06:43
